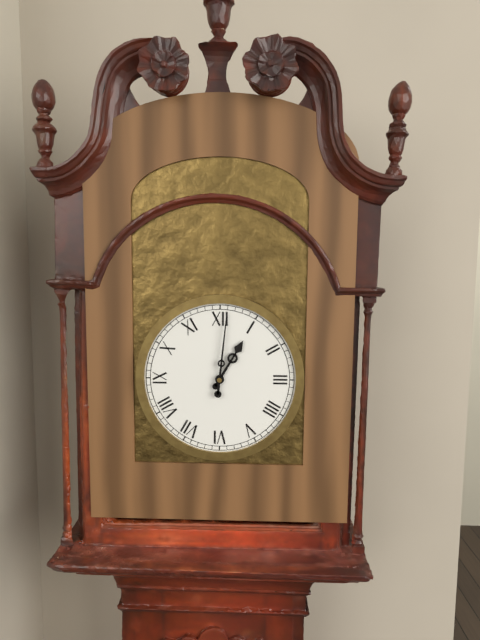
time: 1:01
